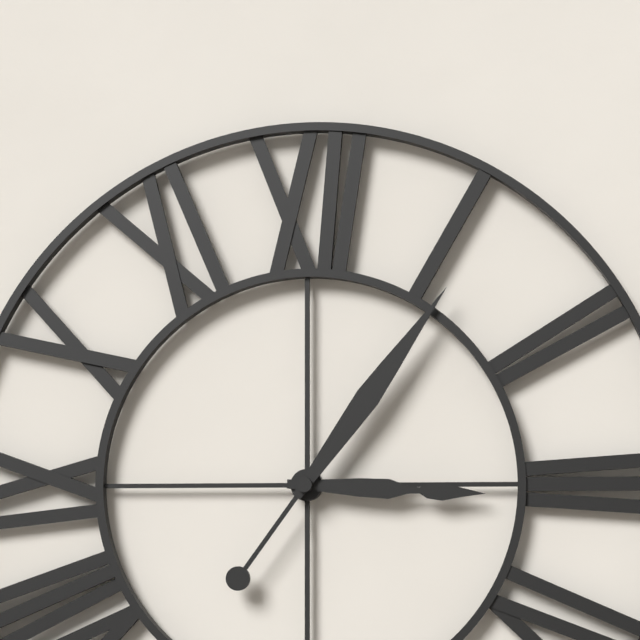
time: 3:06
